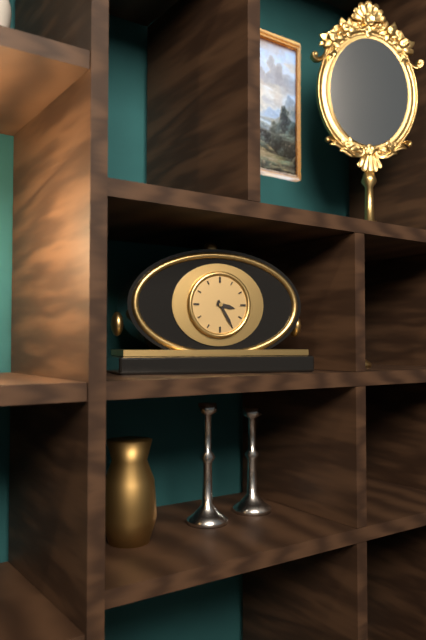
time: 3:25
